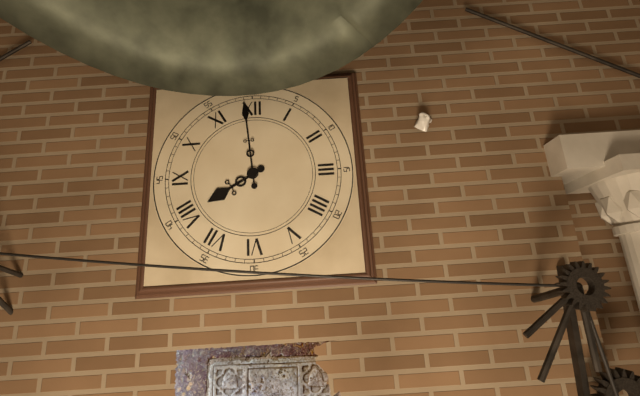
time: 7:59
